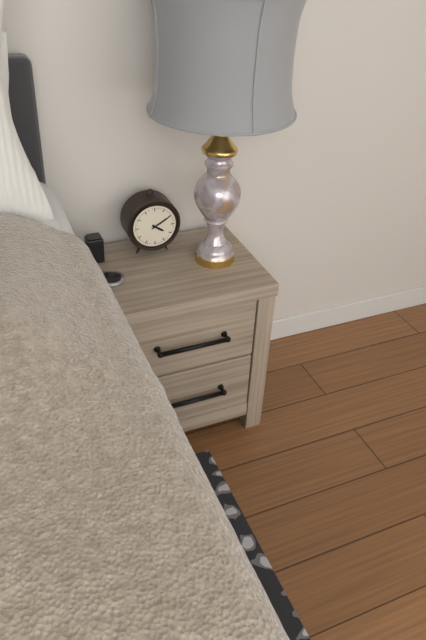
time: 4:10
